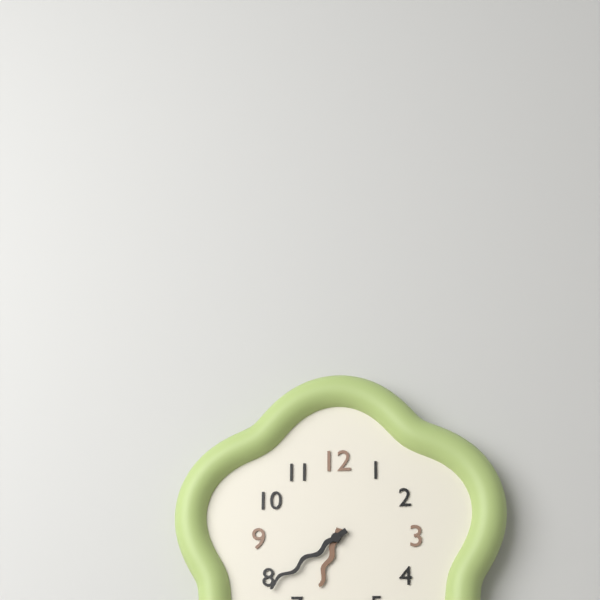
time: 6:39
